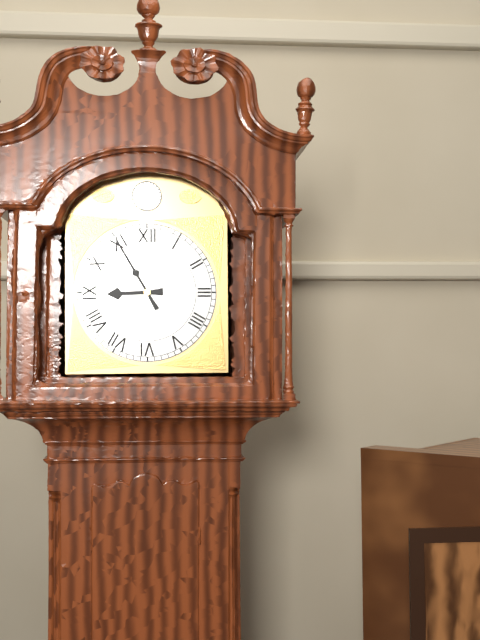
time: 8:55
